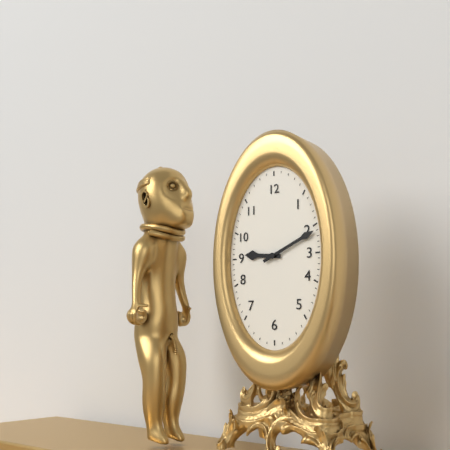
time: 9:11
